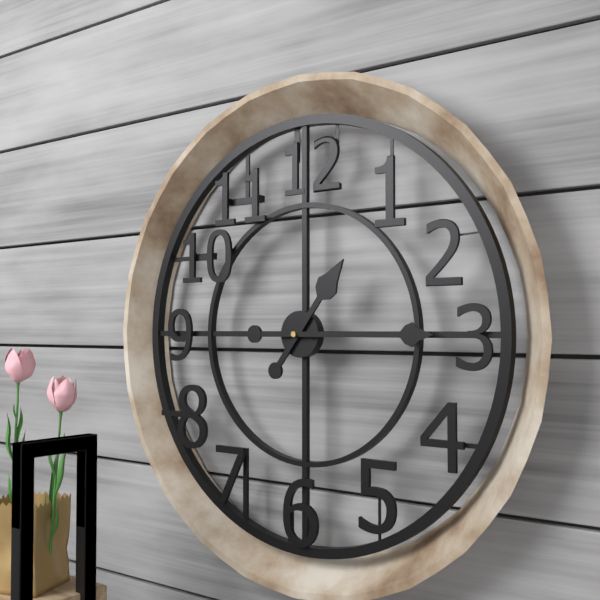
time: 1:15
